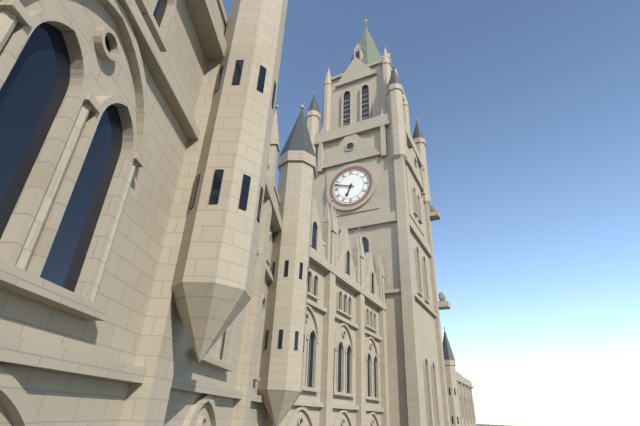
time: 6:48
